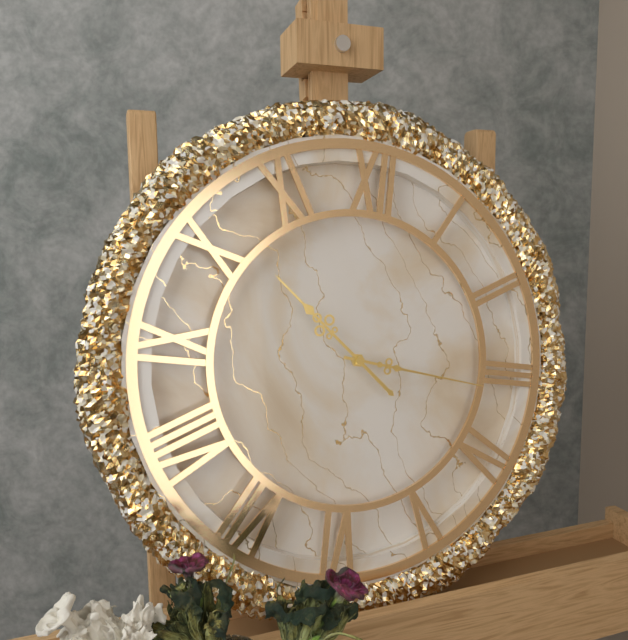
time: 10:16
